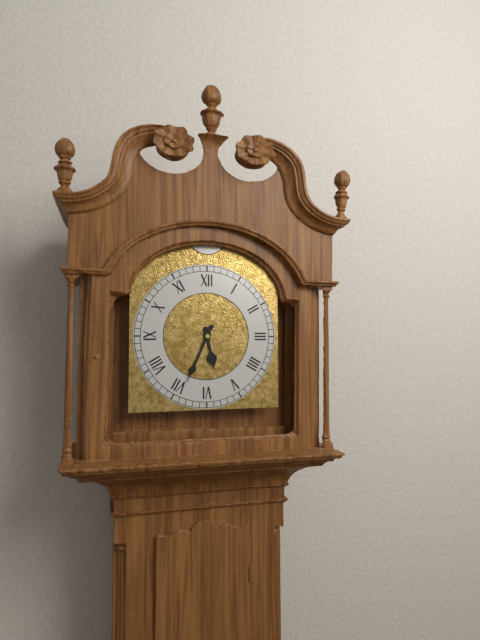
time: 5:34
